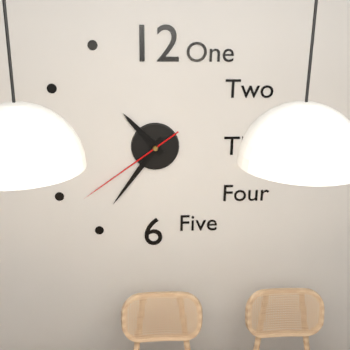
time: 10:36:39
